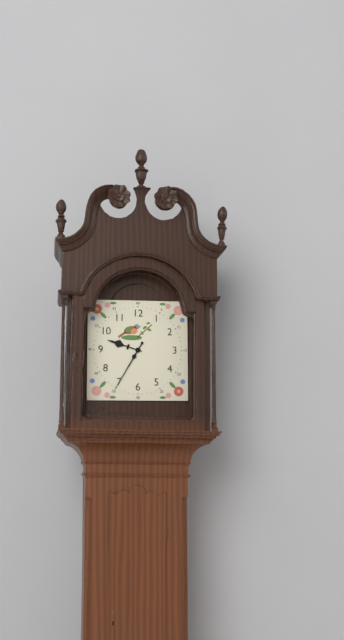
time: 9:35
